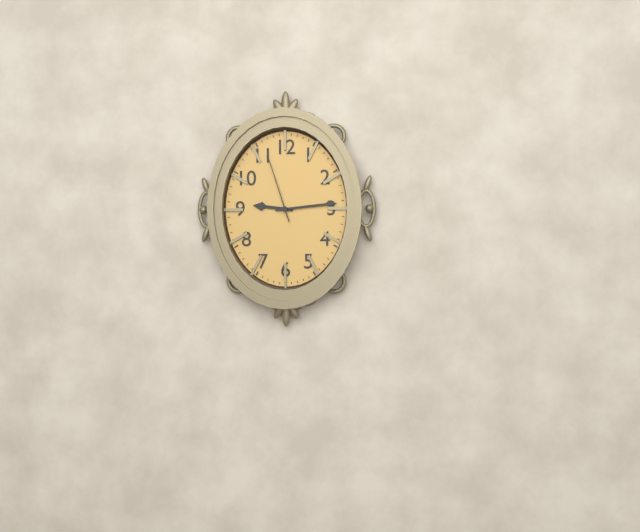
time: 9:14:57
